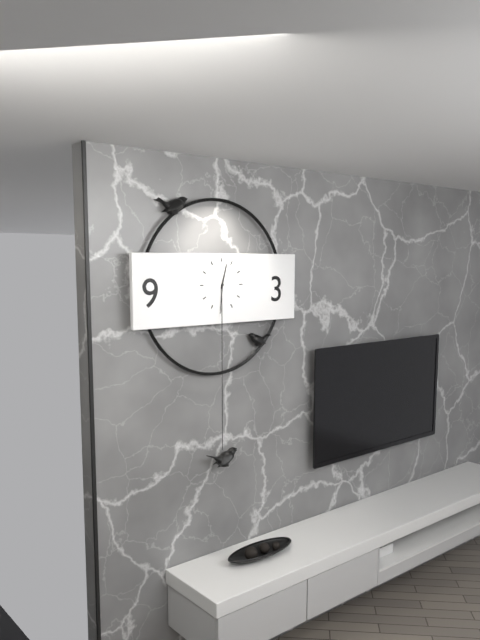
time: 12:31
